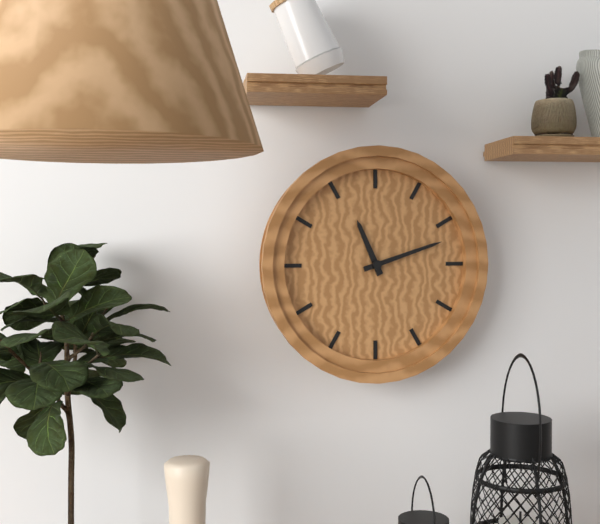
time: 11:12
